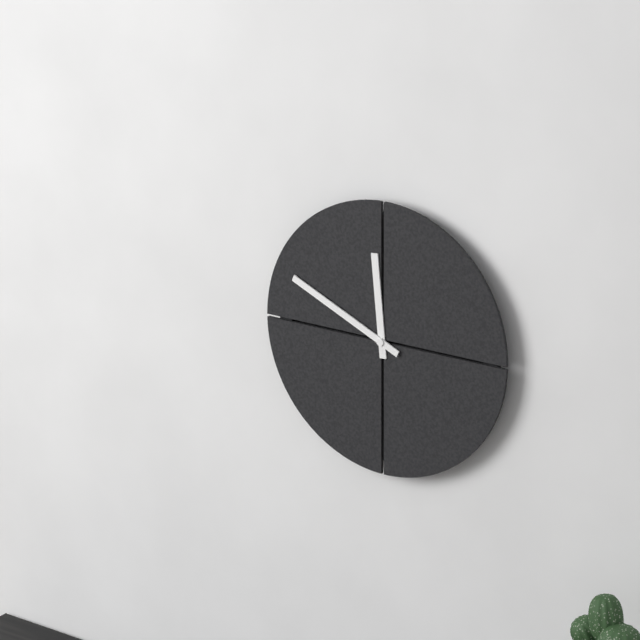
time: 11:49
